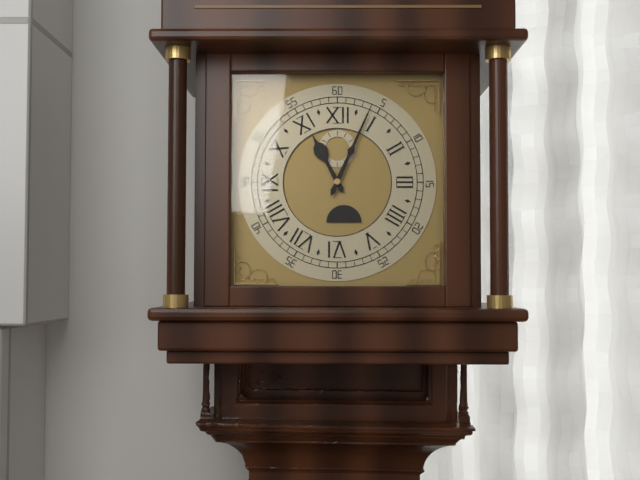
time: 11:04
